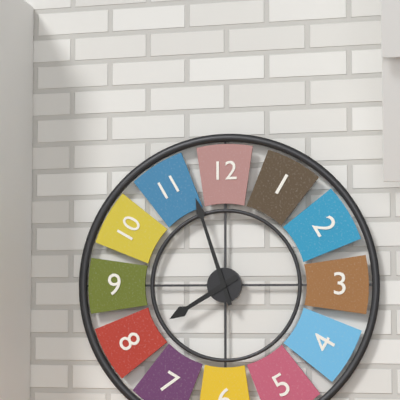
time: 7:57
